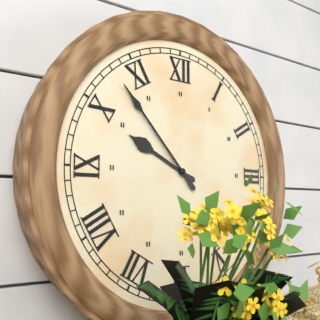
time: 9:53
